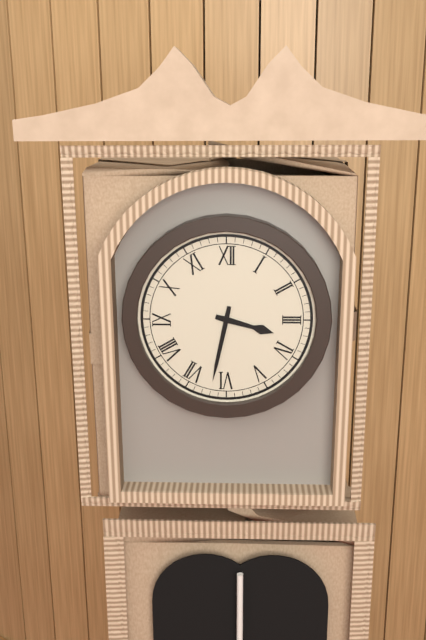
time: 3:32
